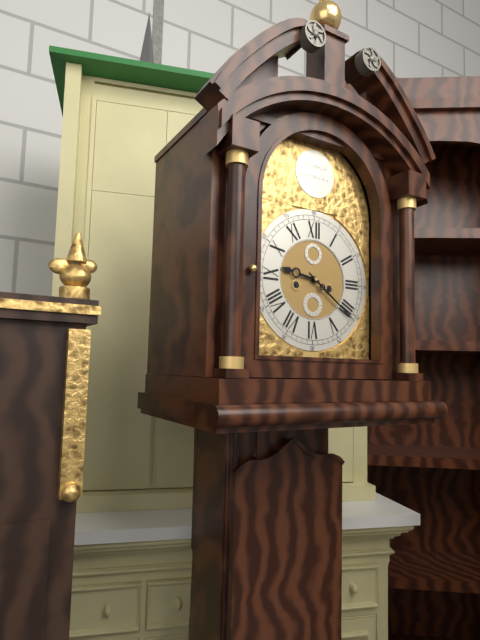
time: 9:21
